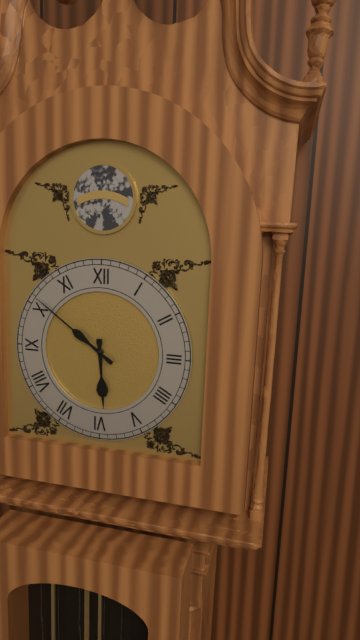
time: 5:51
